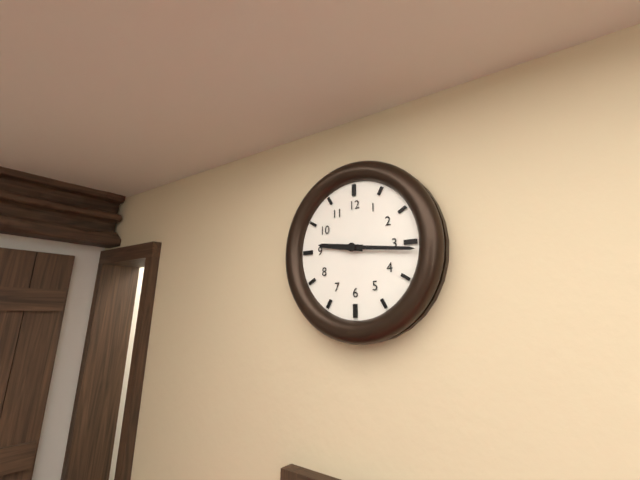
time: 9:16
